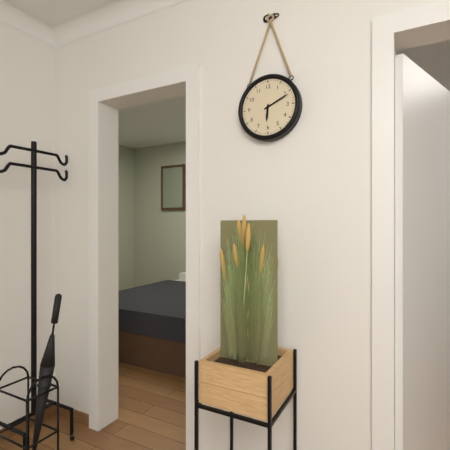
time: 6:11
